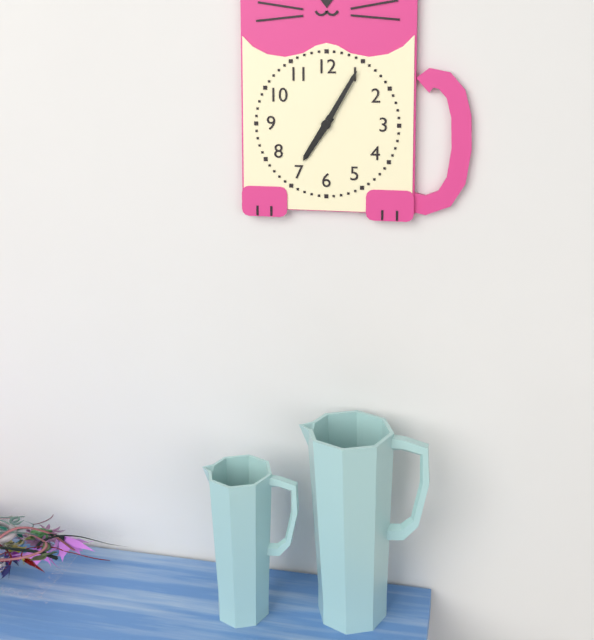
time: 7:05
